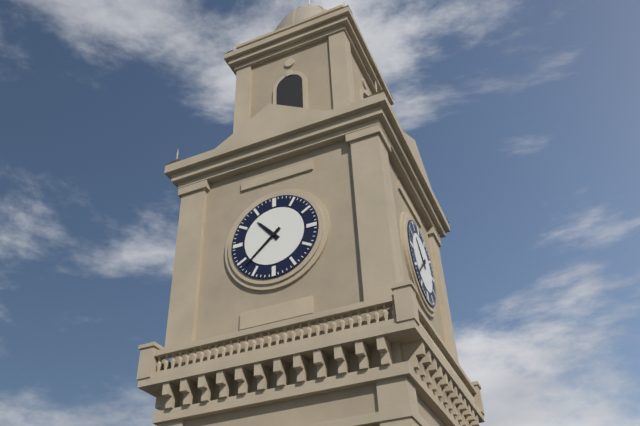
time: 10:38
